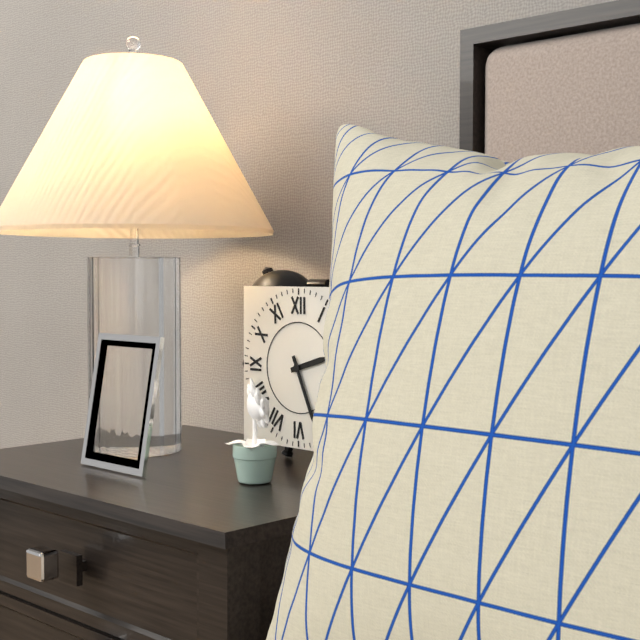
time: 2:26
